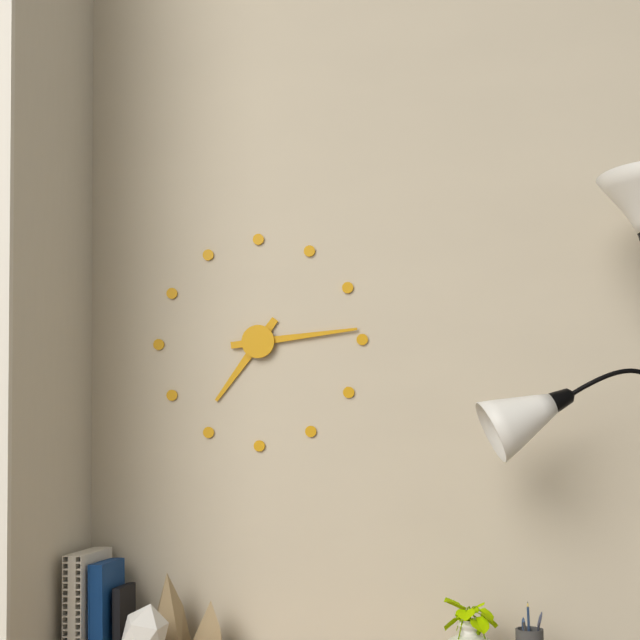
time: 7:14
